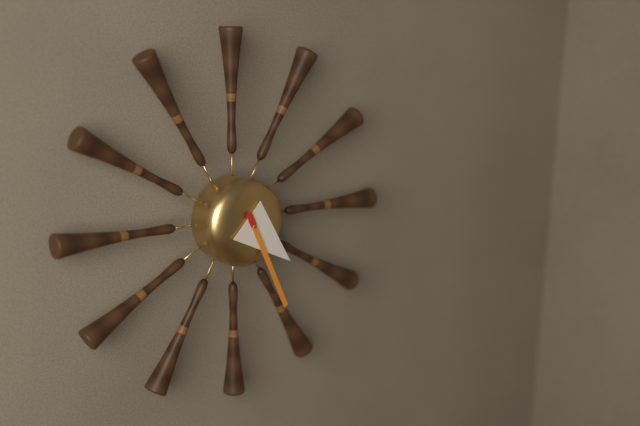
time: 4:26
